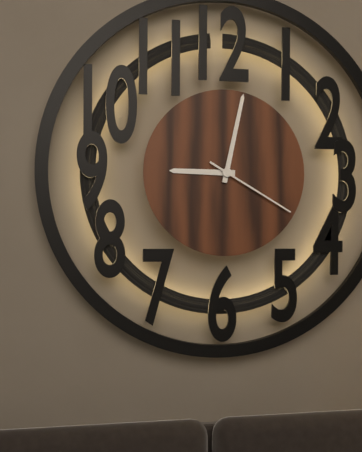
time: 9:02:20
